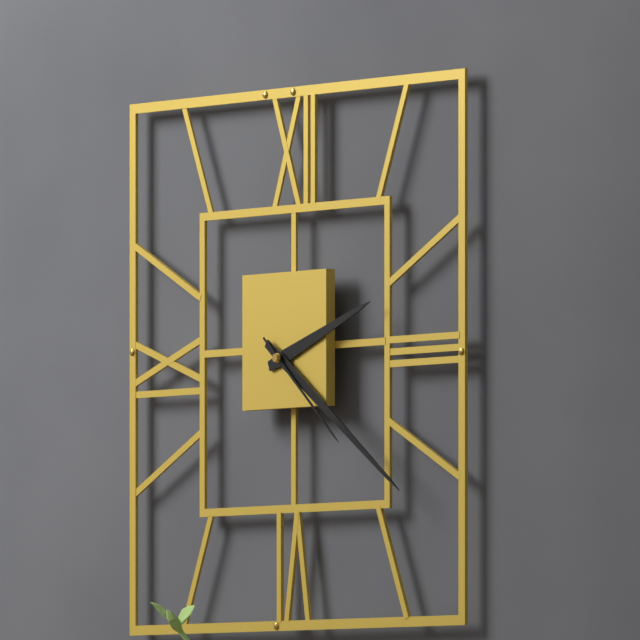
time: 2:21:22
